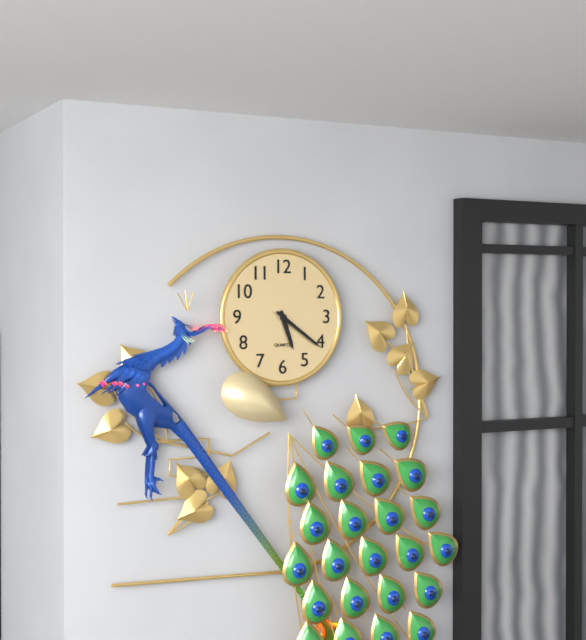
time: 5:21
